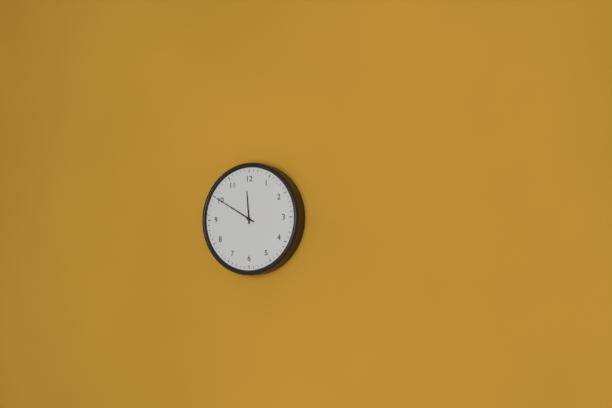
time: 11:50
